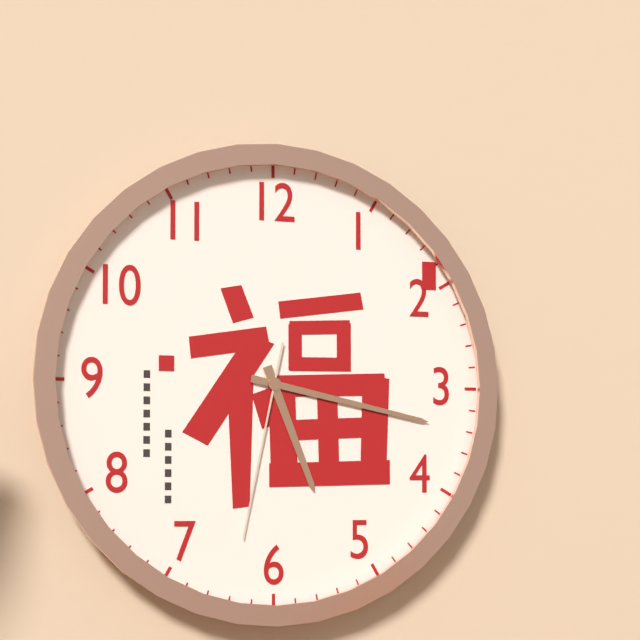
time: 5:17:32
